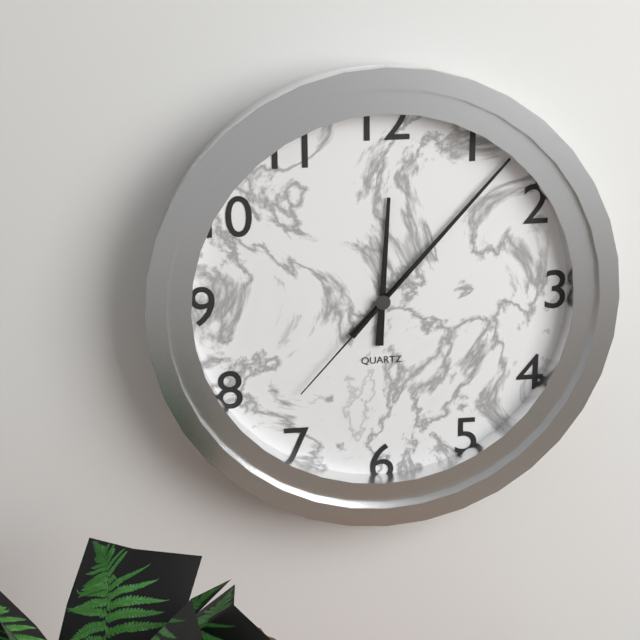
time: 12:07:37
